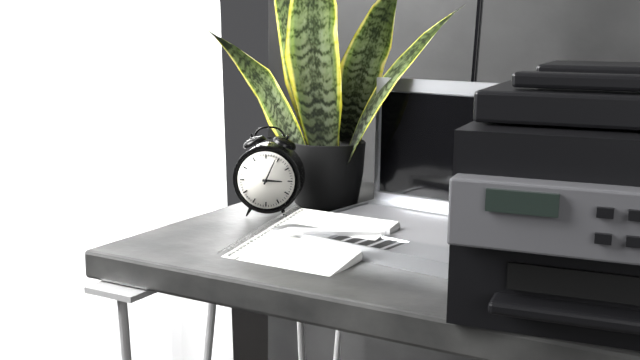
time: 3:04
